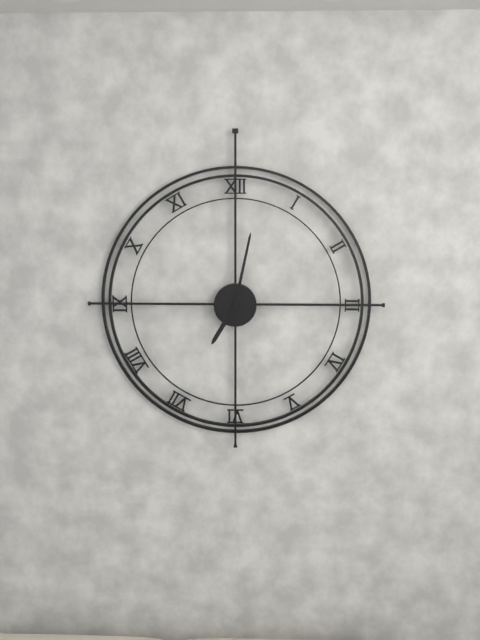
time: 7:02
